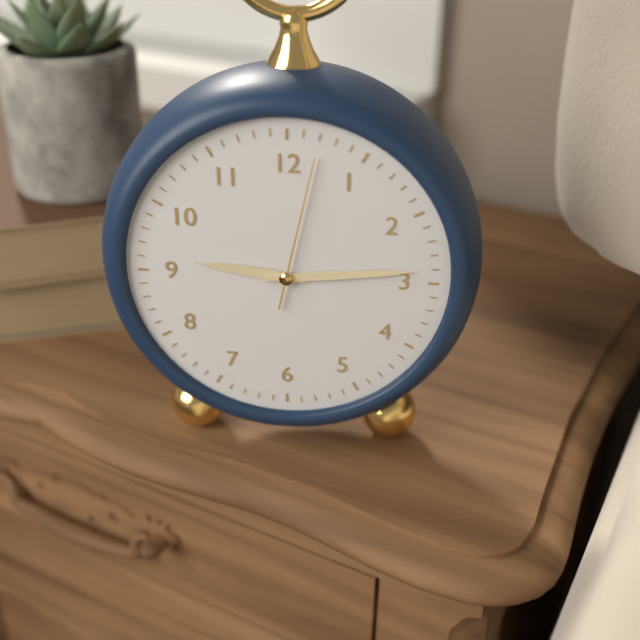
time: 9:14:02
